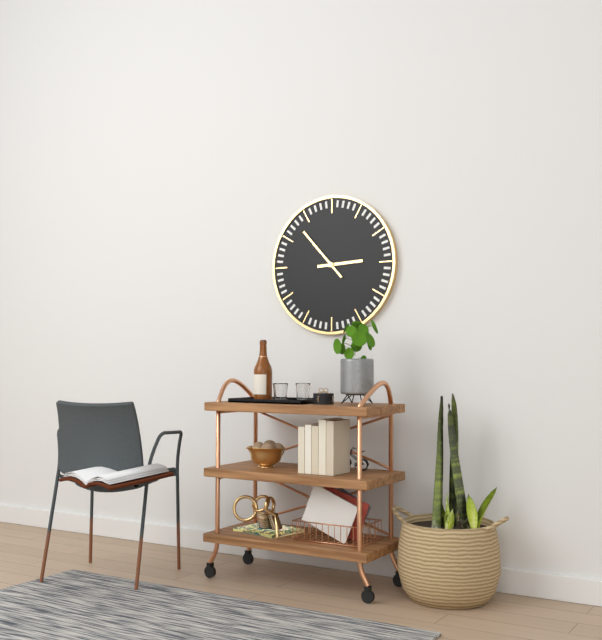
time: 2:53
